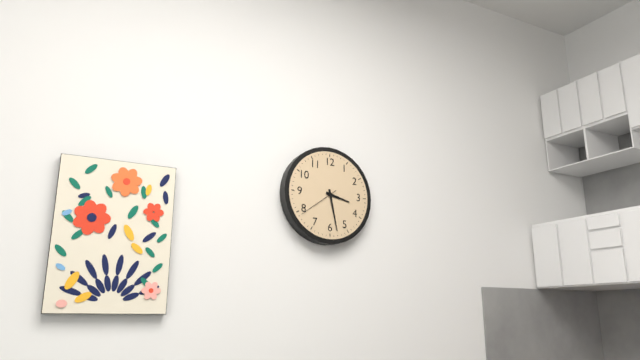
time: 3:28
